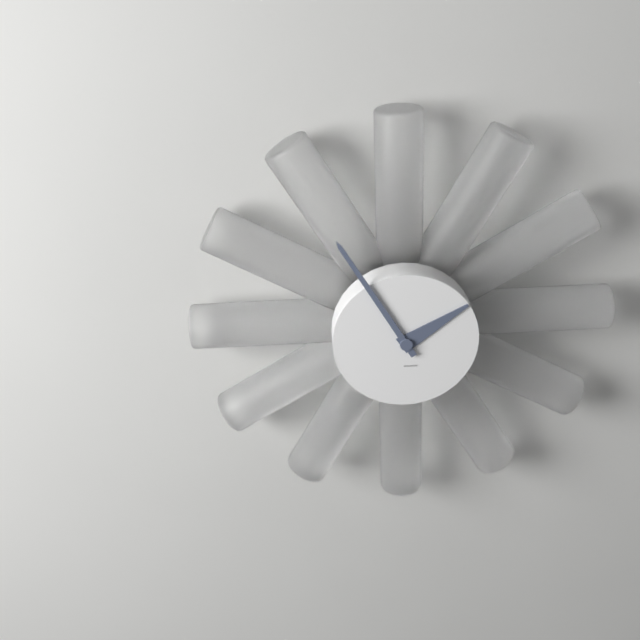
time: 1:55
